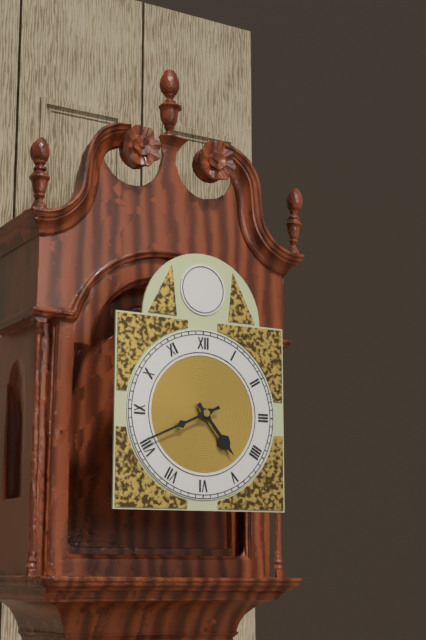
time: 4:41
